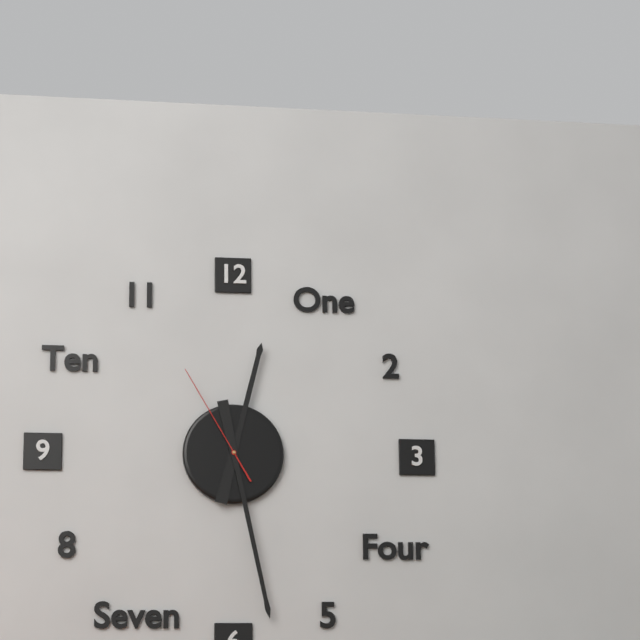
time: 12:28:55
